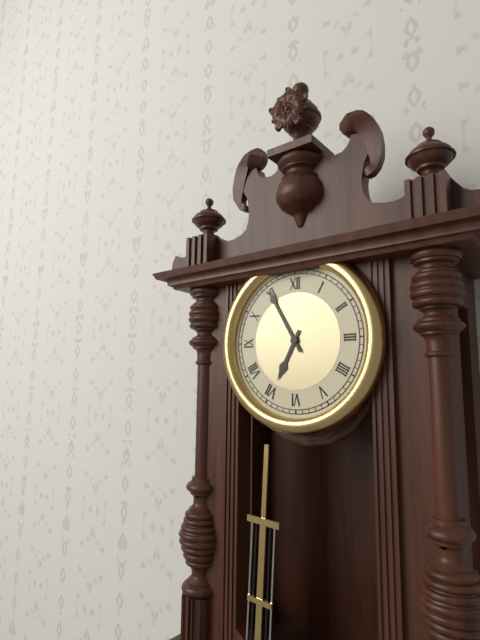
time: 6:55
